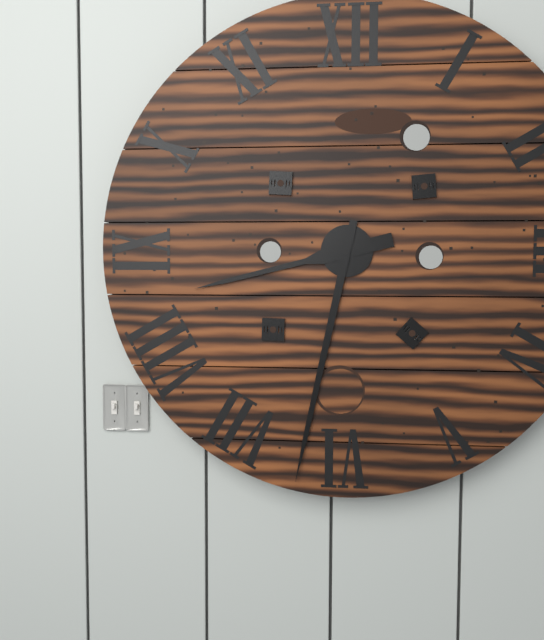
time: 8:32
